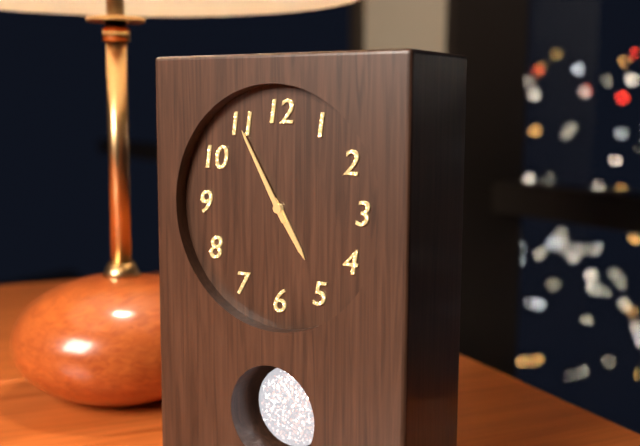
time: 4:55
